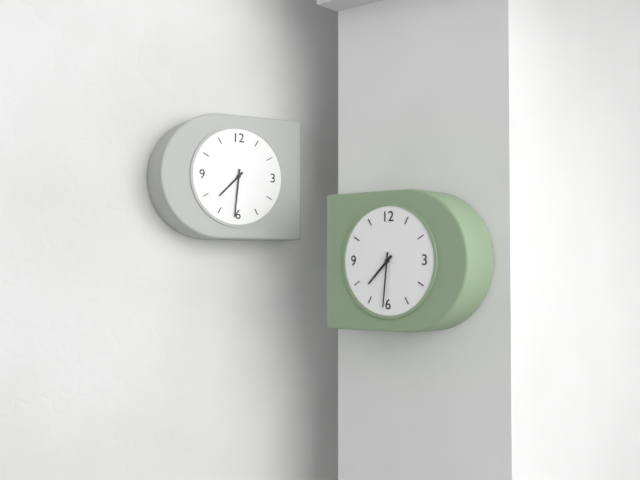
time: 7:31
